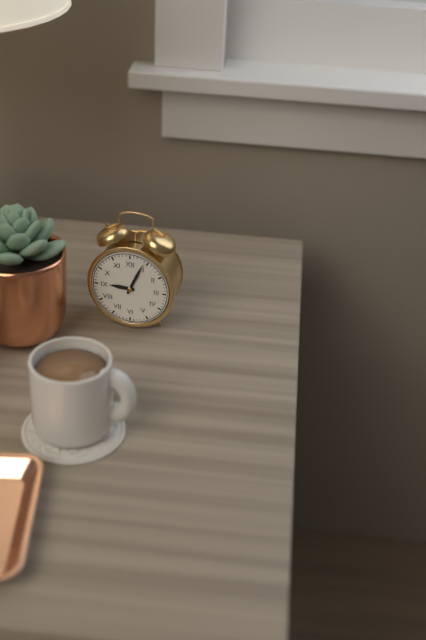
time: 9:04
